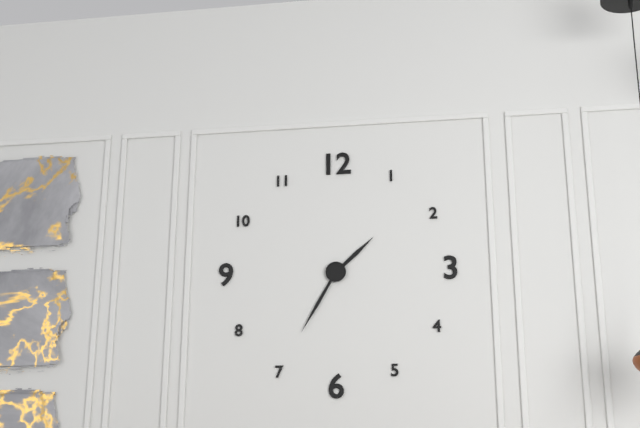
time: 1:35
